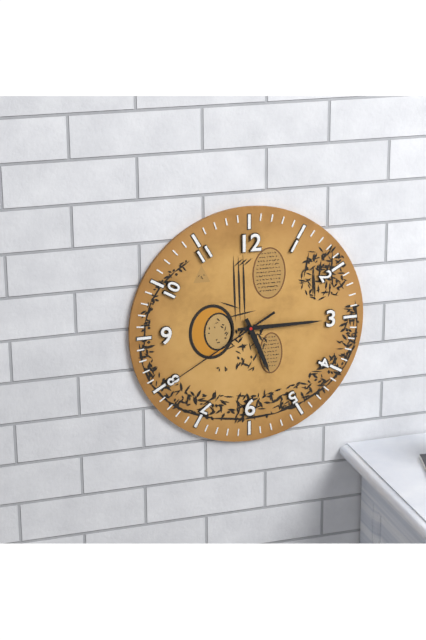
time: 5:15:40
